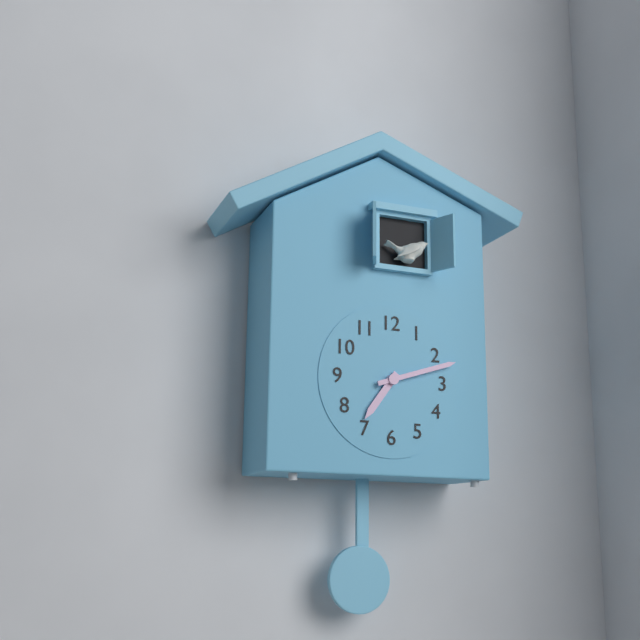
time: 7:12
